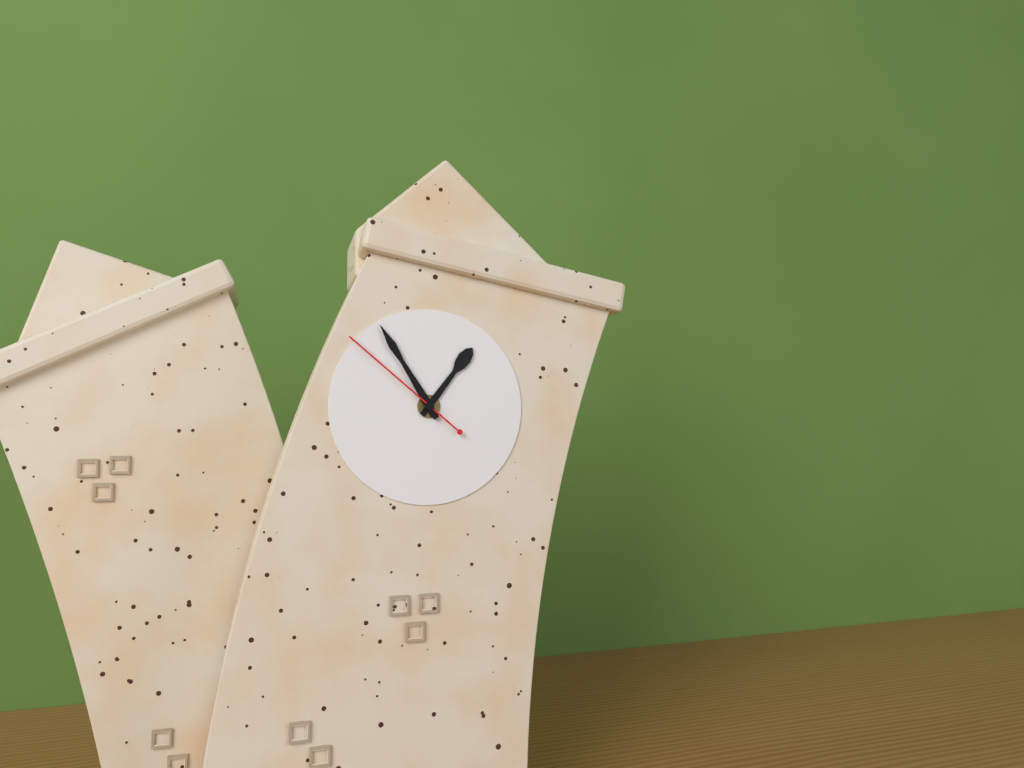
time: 12:53:50
